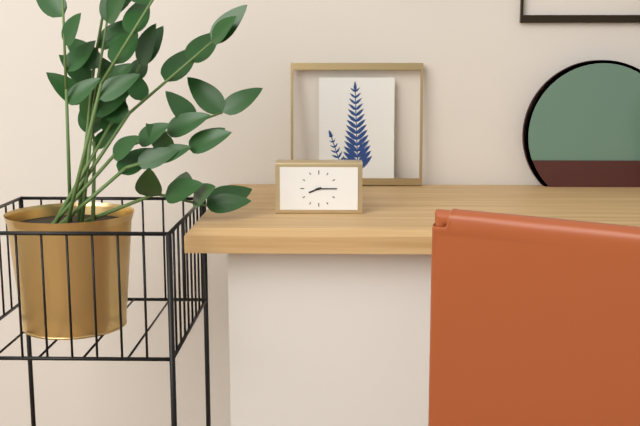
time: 8:15
